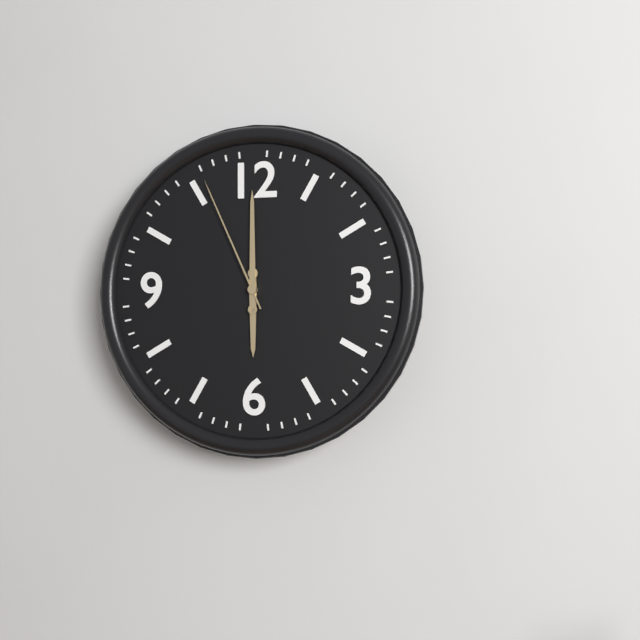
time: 6:00:56
